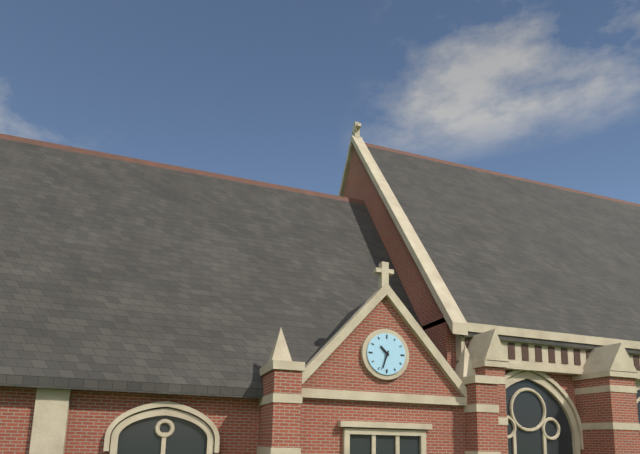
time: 10:33
